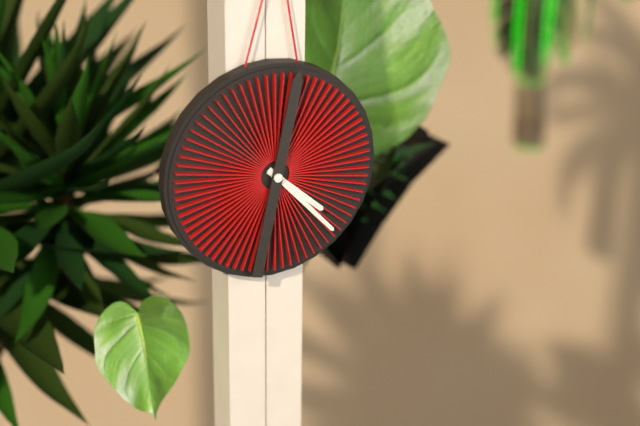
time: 4:23:02
